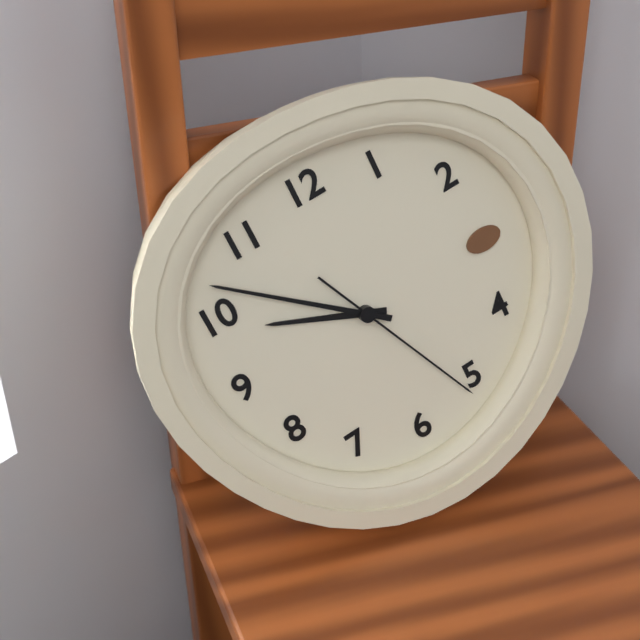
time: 9:52:26
